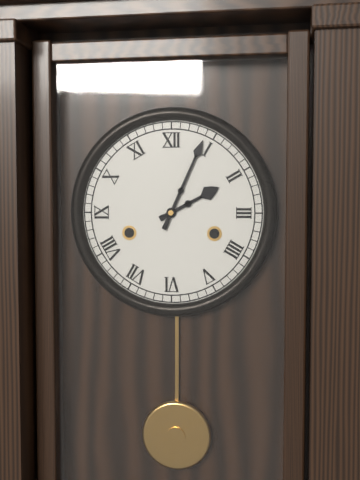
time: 2:04
